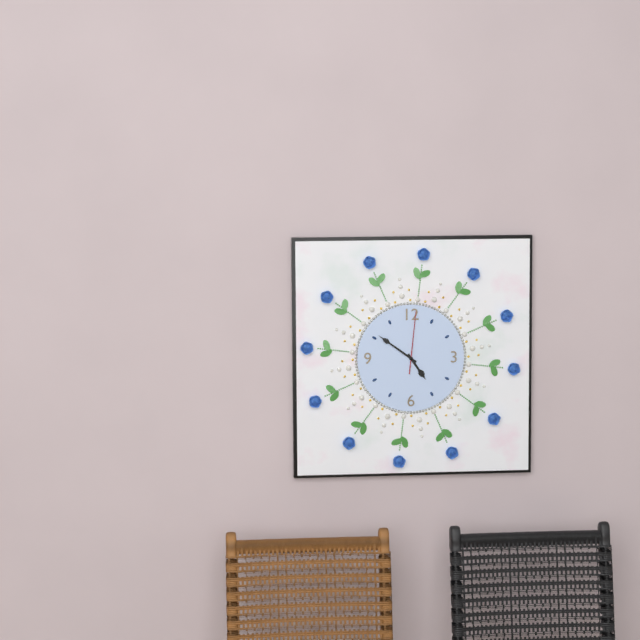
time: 4:51:01
